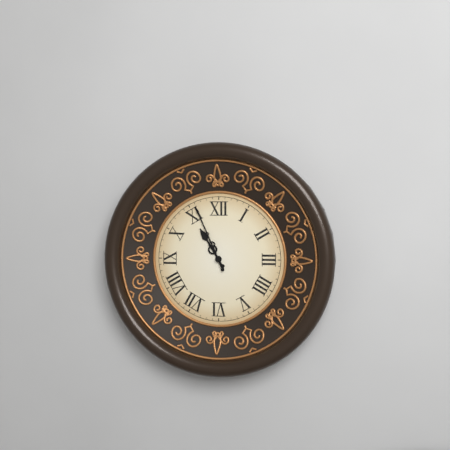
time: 10:56
